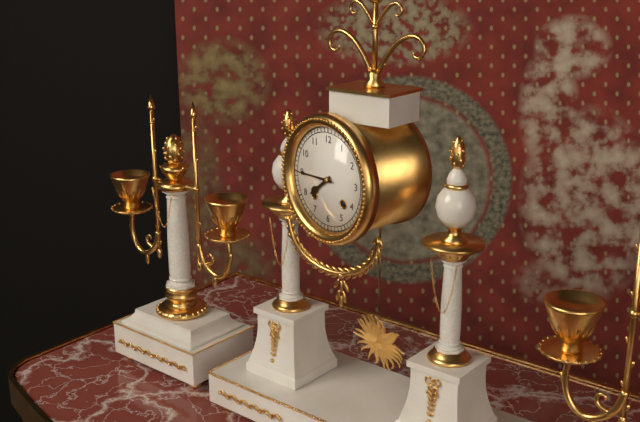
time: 7:45
